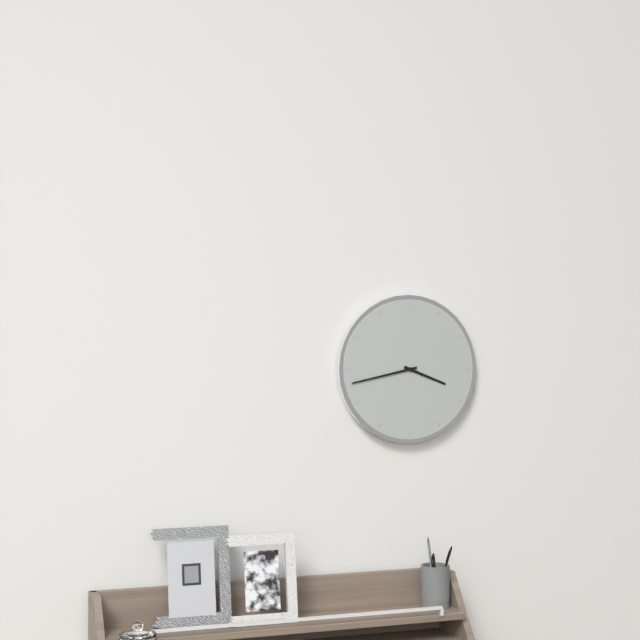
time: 3:43
